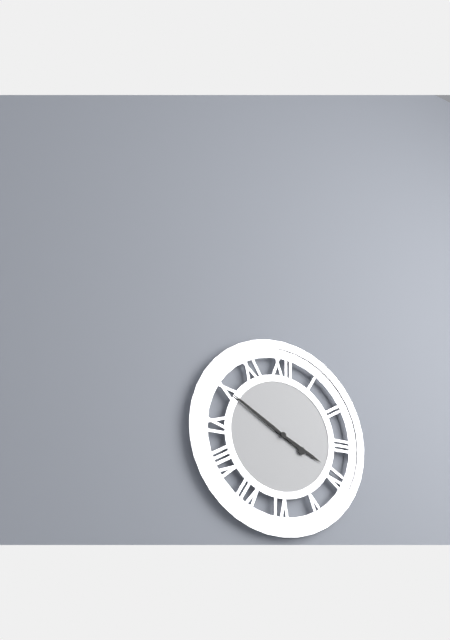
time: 3:50
